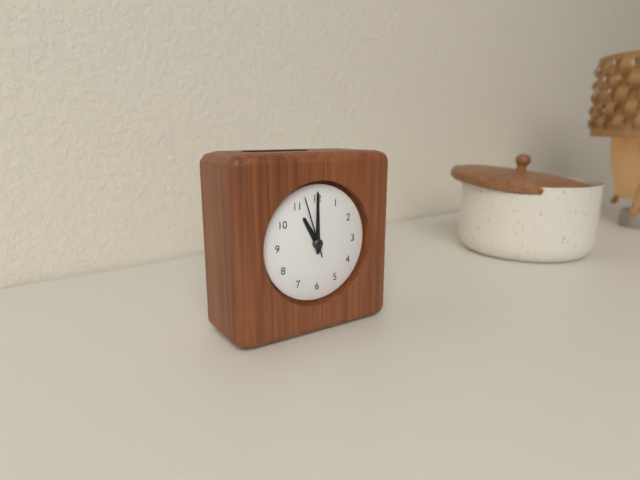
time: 11:00:57
